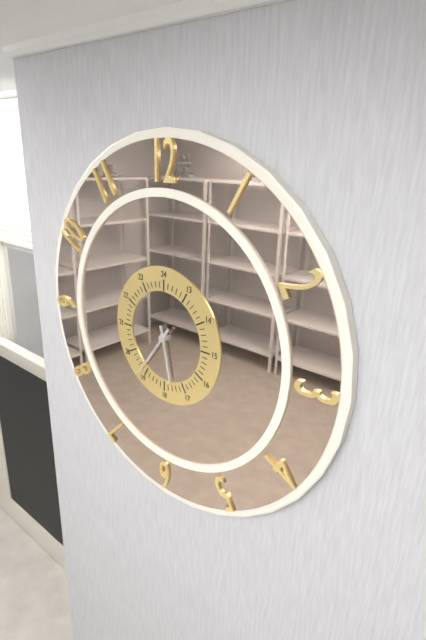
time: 5:36
